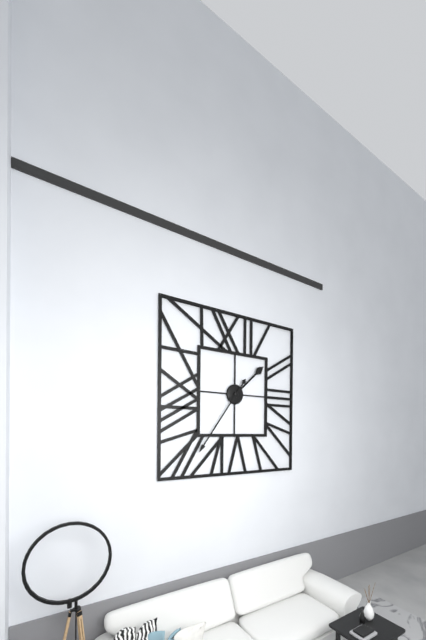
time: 1:36
